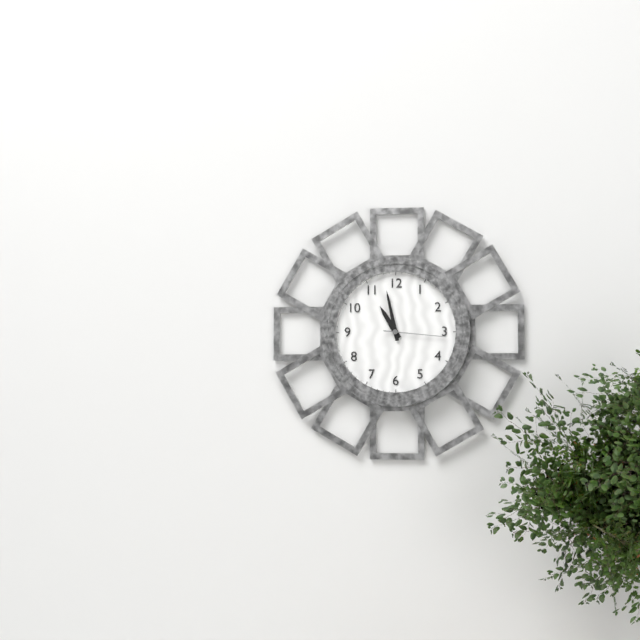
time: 10:58:16
